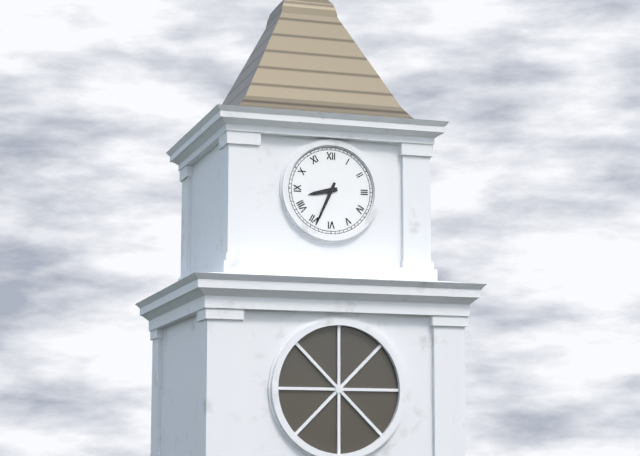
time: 8:34
